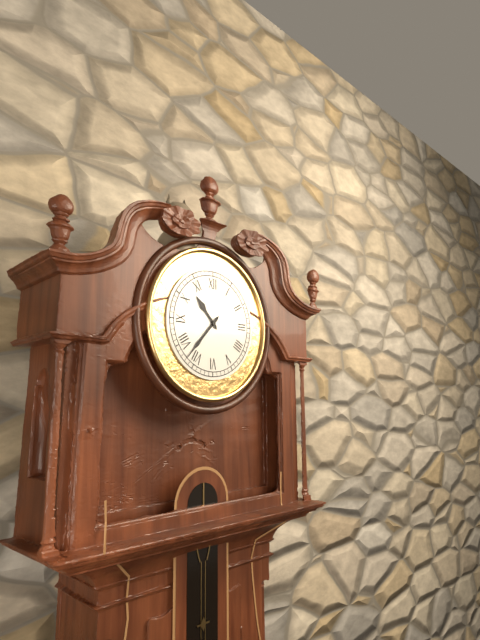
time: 10:37
